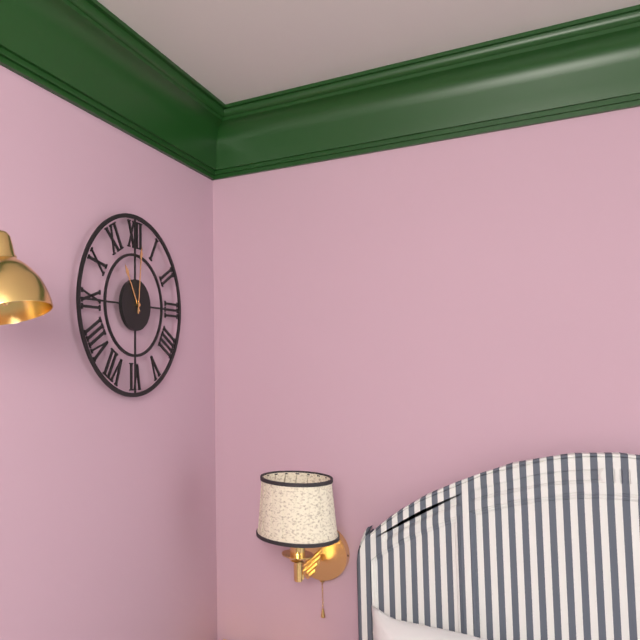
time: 11:01
